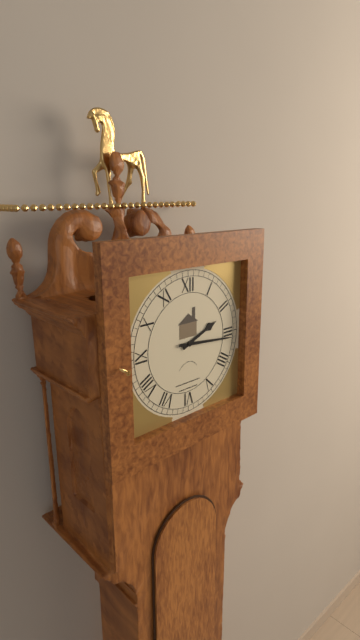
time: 2:16
